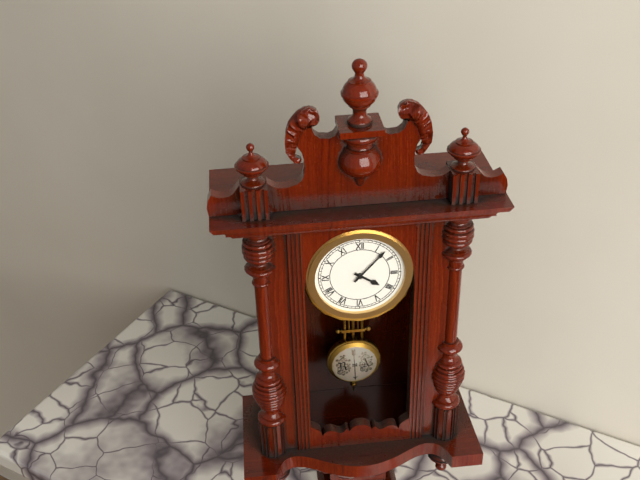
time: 4:07
